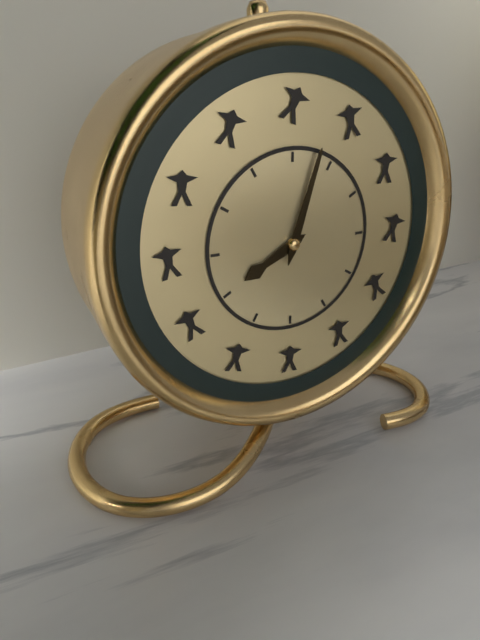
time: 8:03
